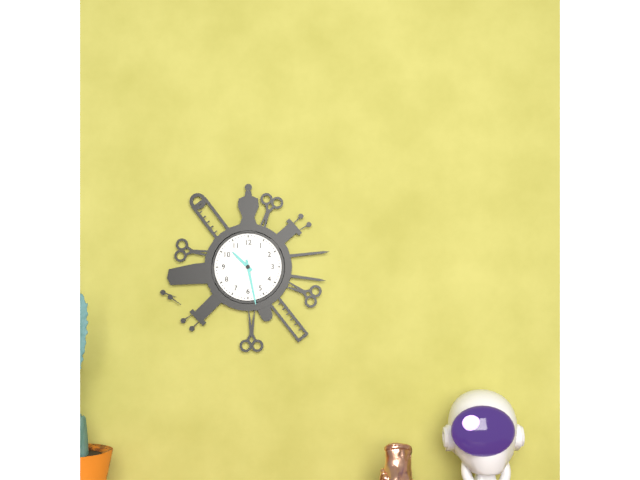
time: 10:28
